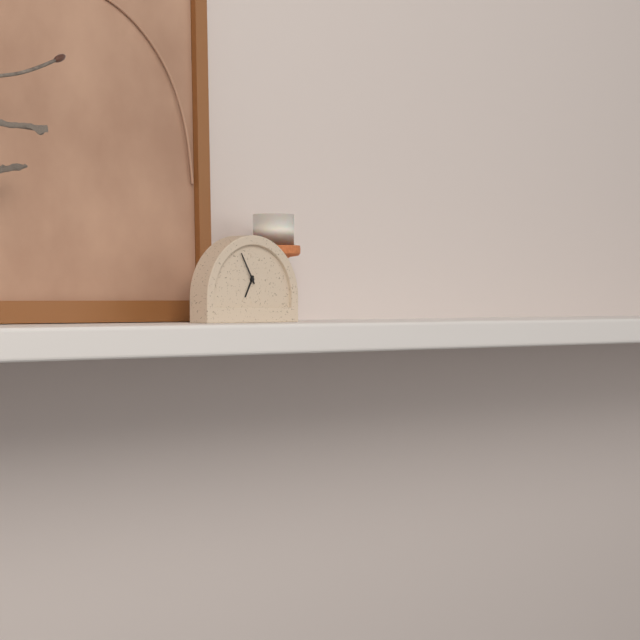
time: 6:55
